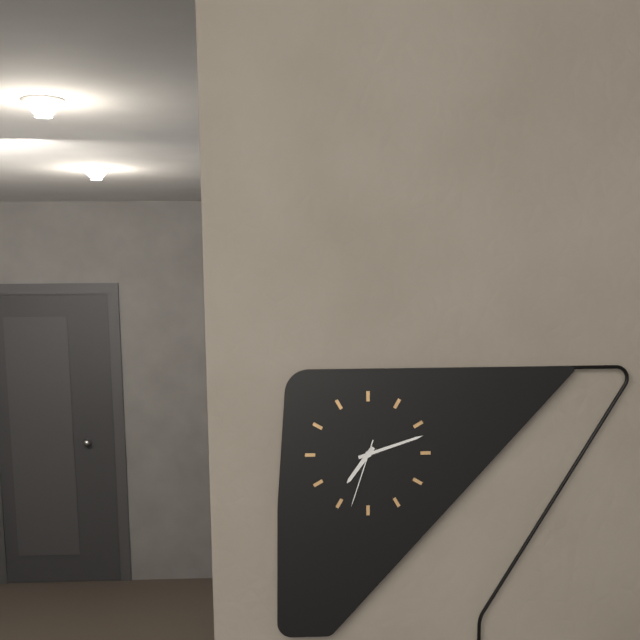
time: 7:12:33
